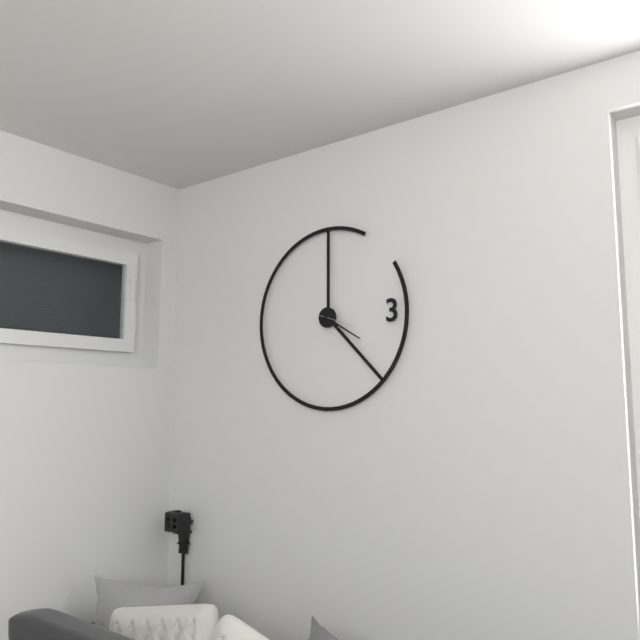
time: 4:20
